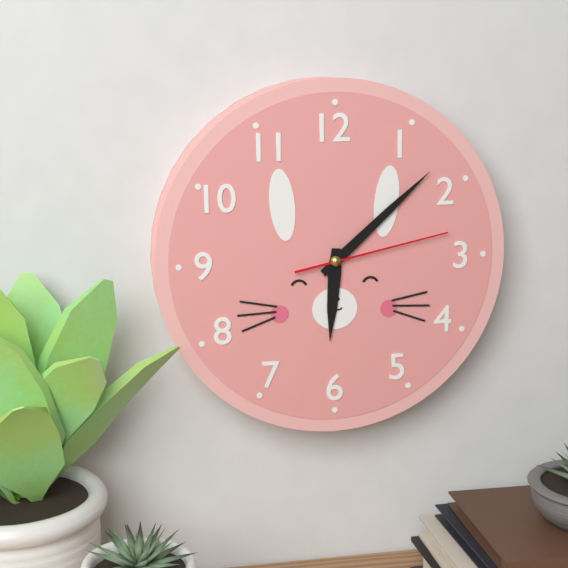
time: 6:08:13
